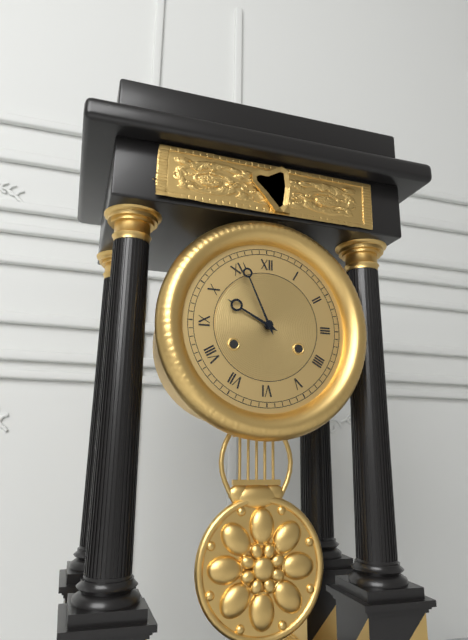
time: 9:56
